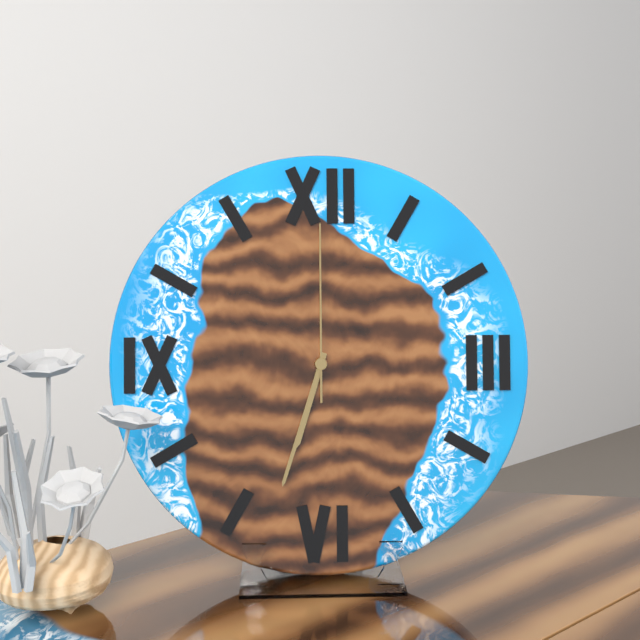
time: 6:33:00
